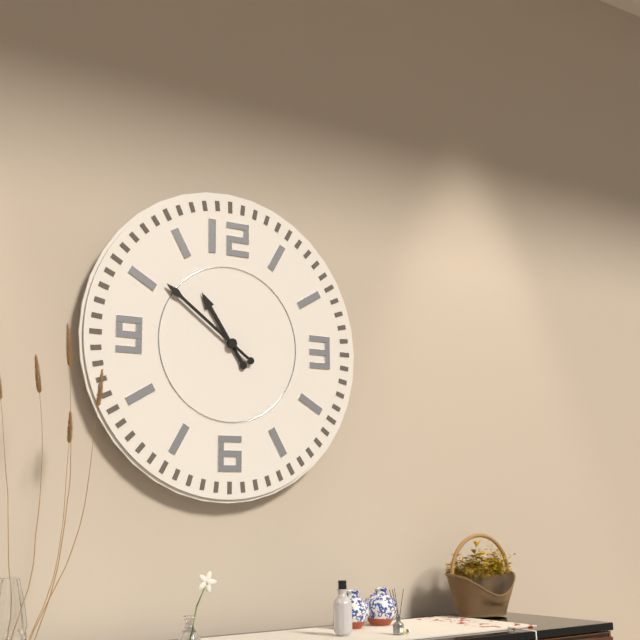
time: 10:51
